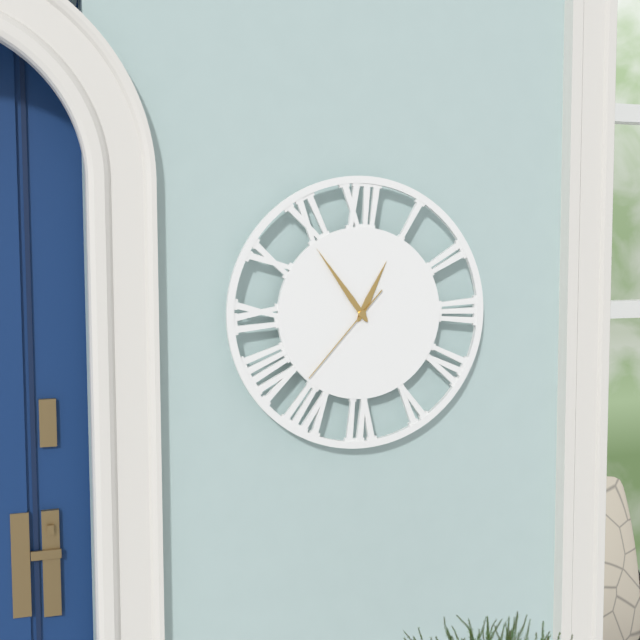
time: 12:54:37
